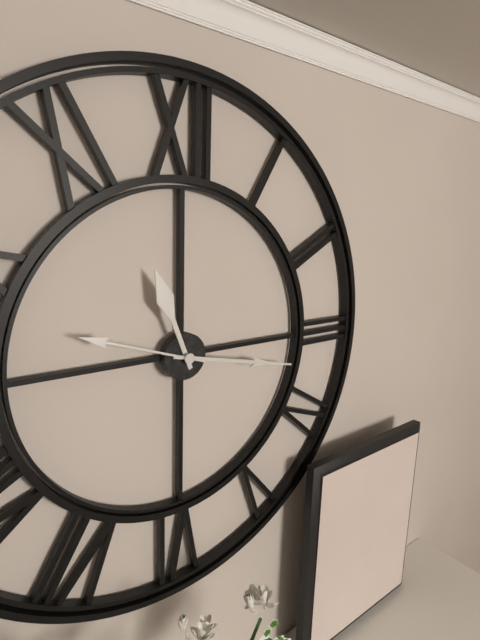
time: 11:17:48
